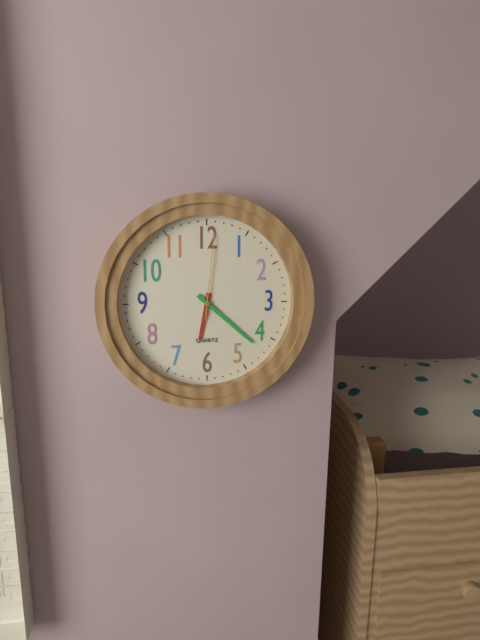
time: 6:22:01
